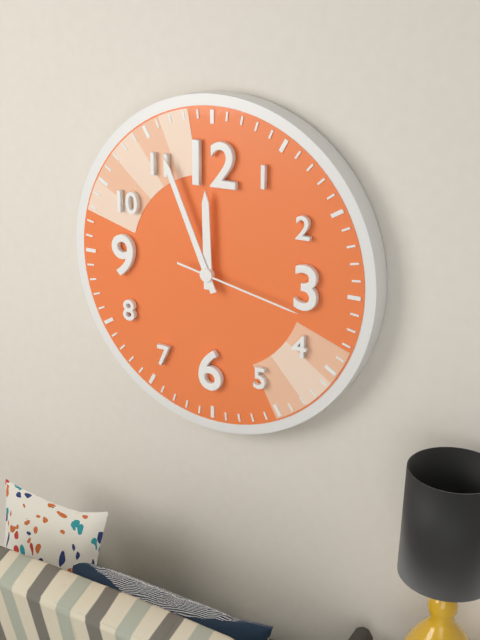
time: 11:56:17
